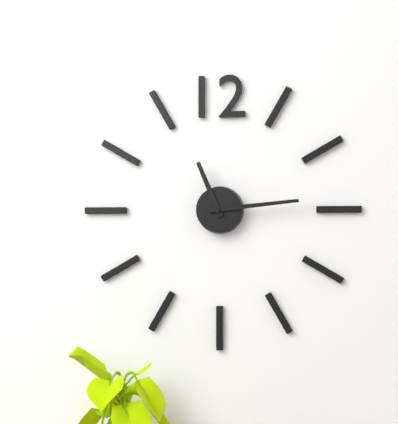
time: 11:14
